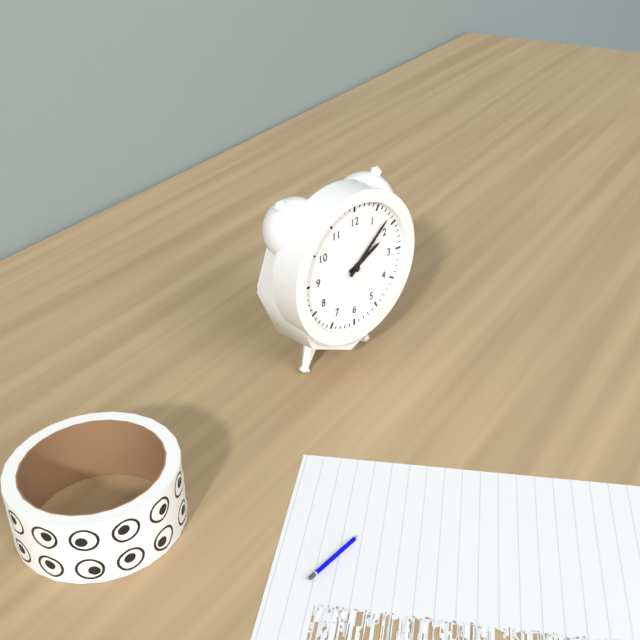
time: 2:08
